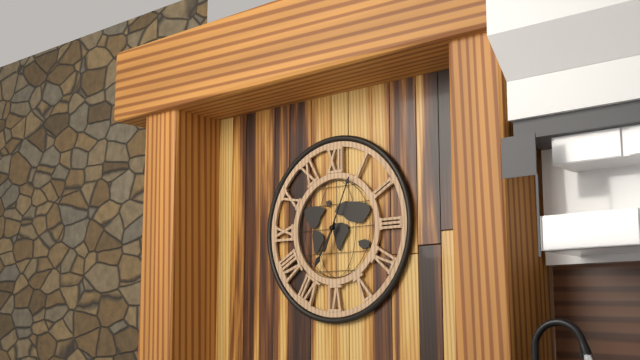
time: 7:04
